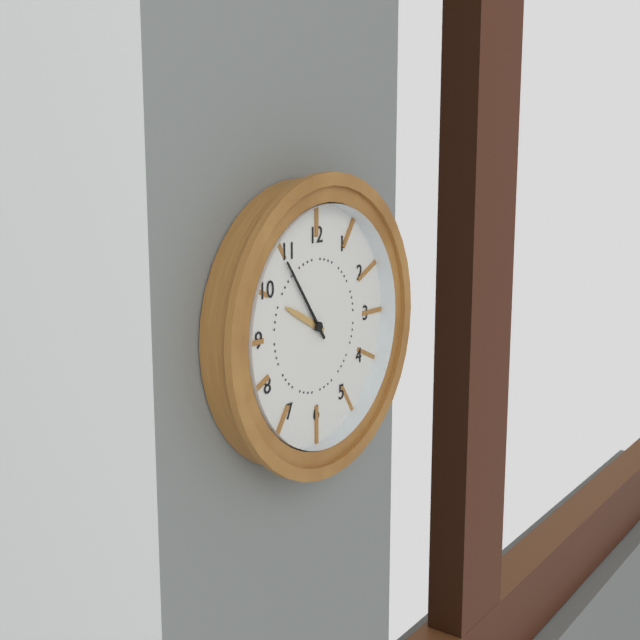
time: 9:54
